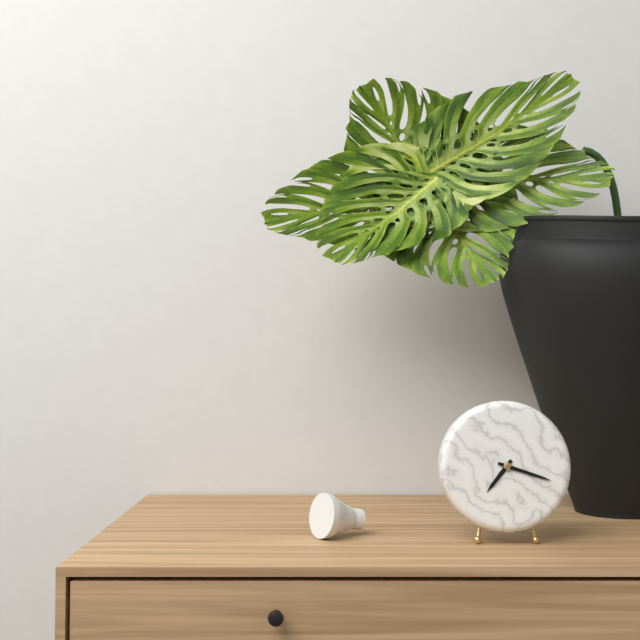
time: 7:18
